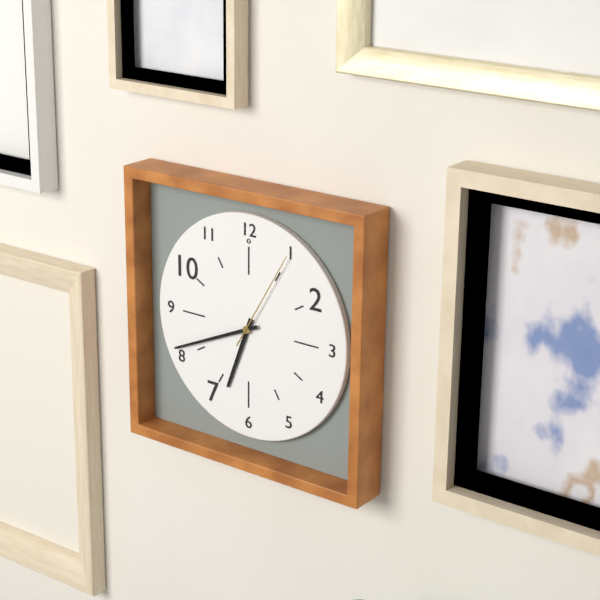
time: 6:41:05
